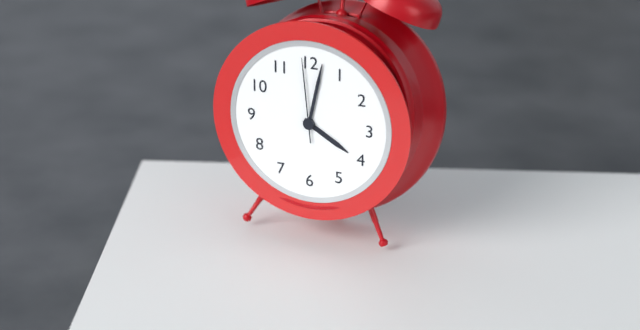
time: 4:02:59
